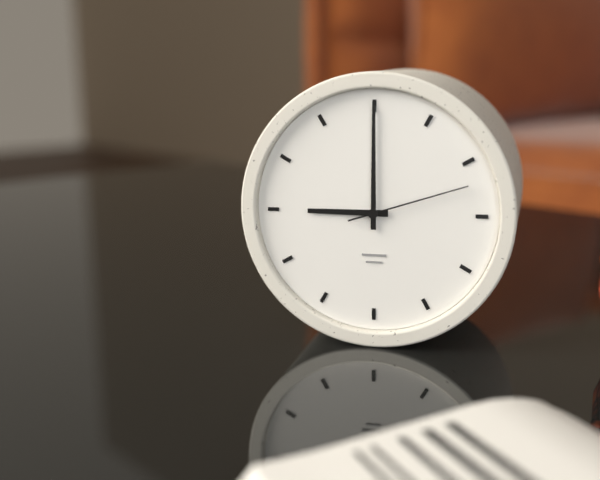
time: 9:00:12
